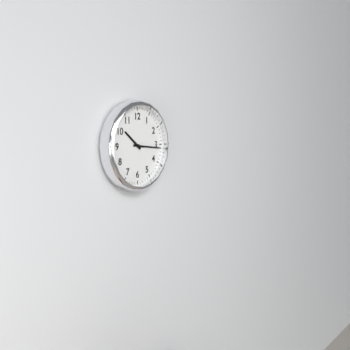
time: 10:16
